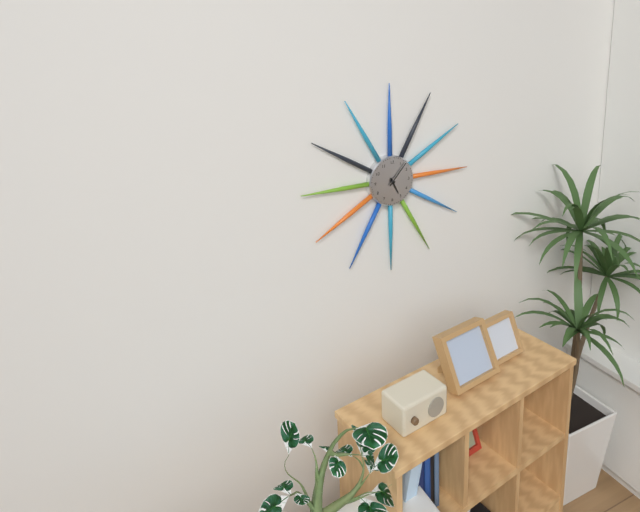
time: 5:07
